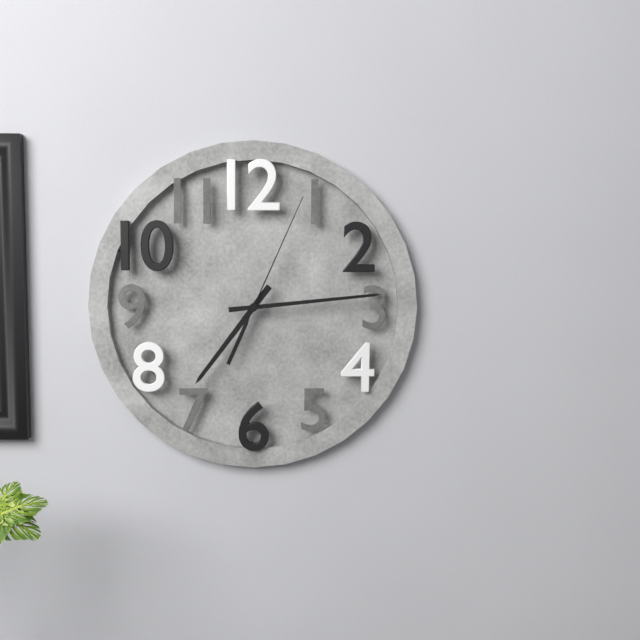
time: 7:14:04
